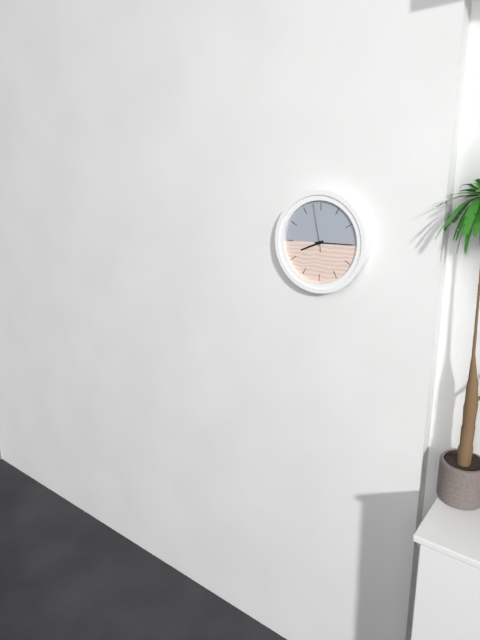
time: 8:15
